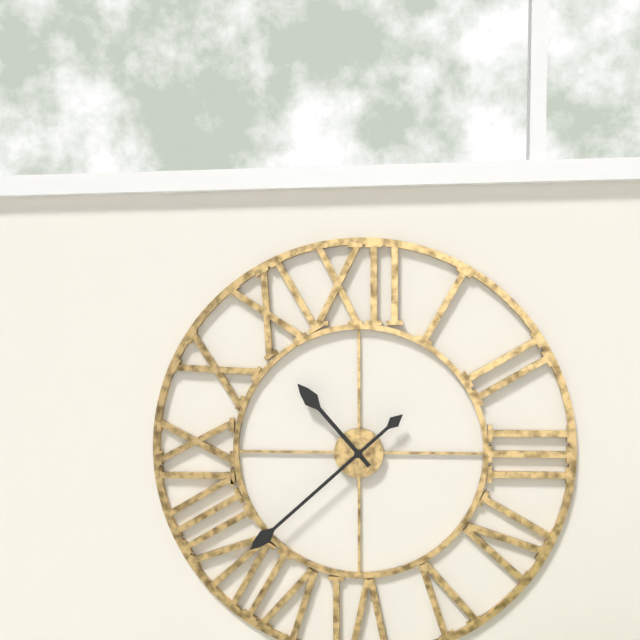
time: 10:38
